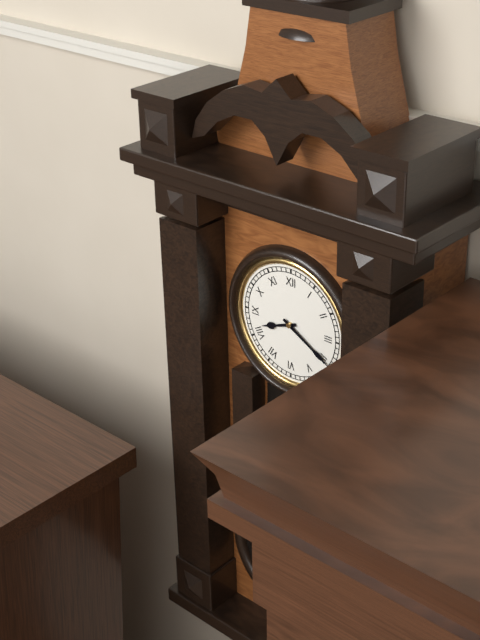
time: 8:20
